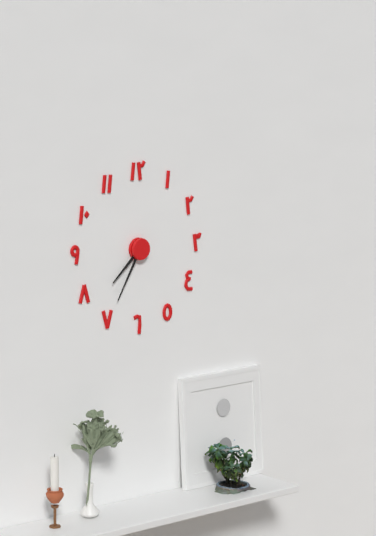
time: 7:35
